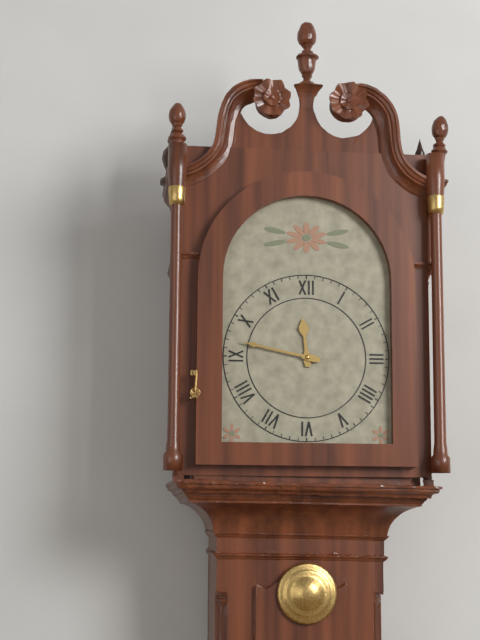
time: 11:47
